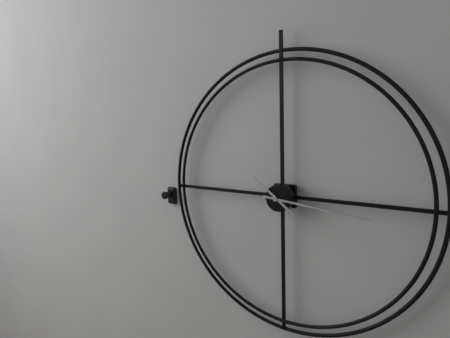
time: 10:16
